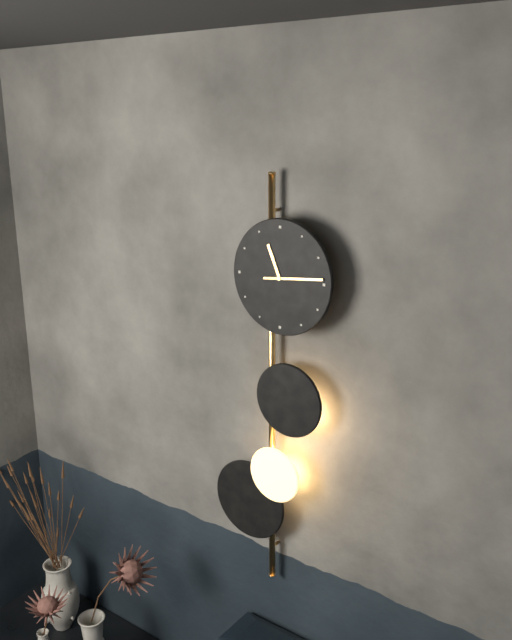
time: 11:14
